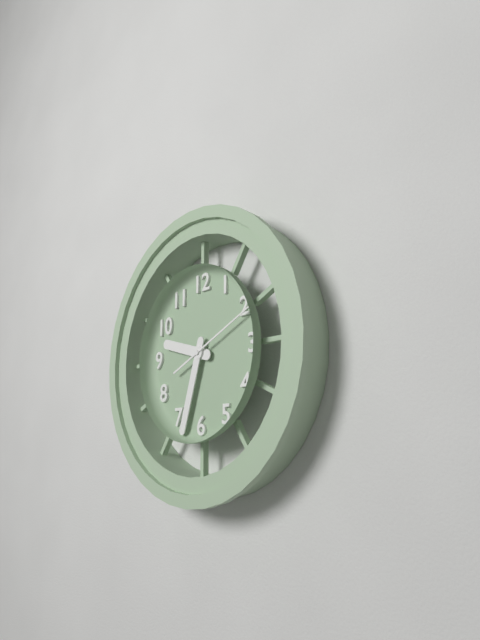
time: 9:33:11
